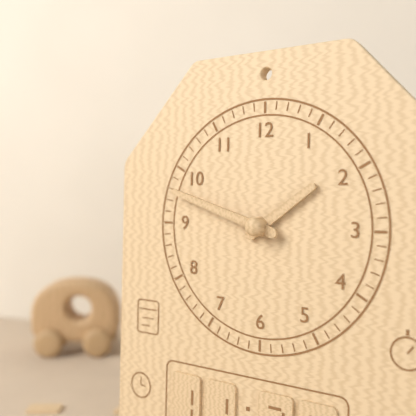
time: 1:48
